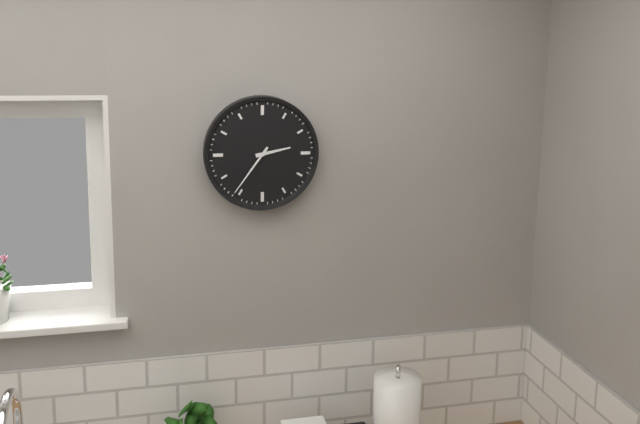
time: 2:36
